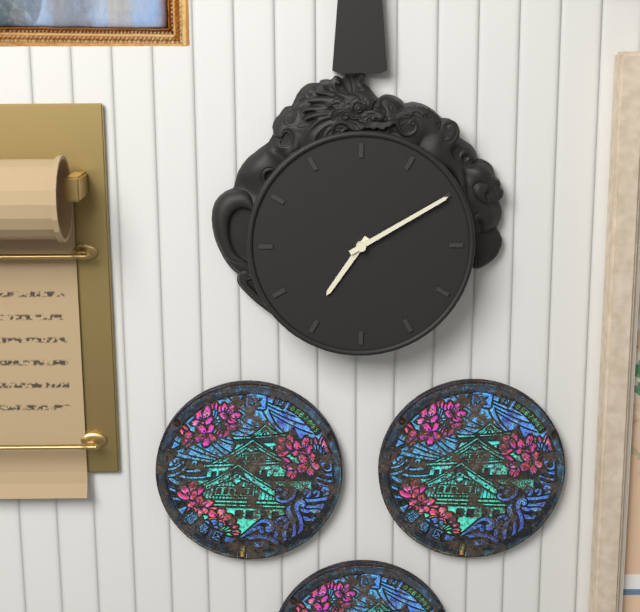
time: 7:10
